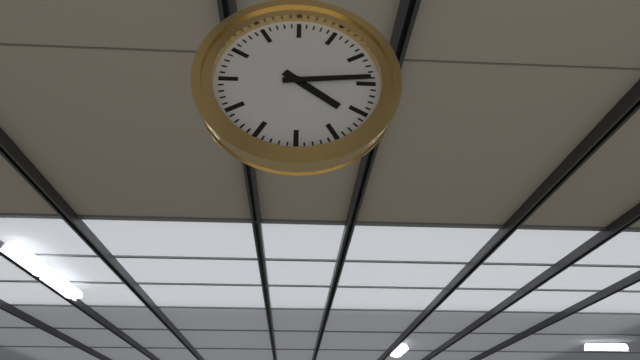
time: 4:14
